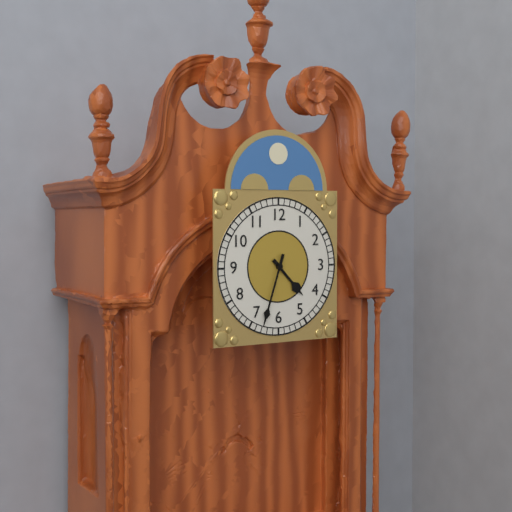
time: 4:33
